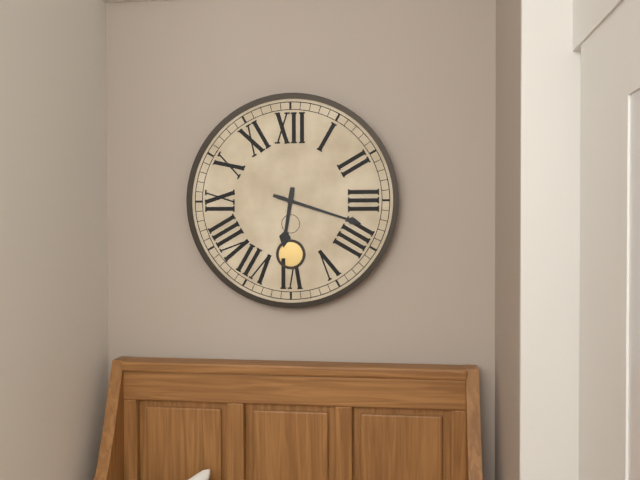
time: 6:18
